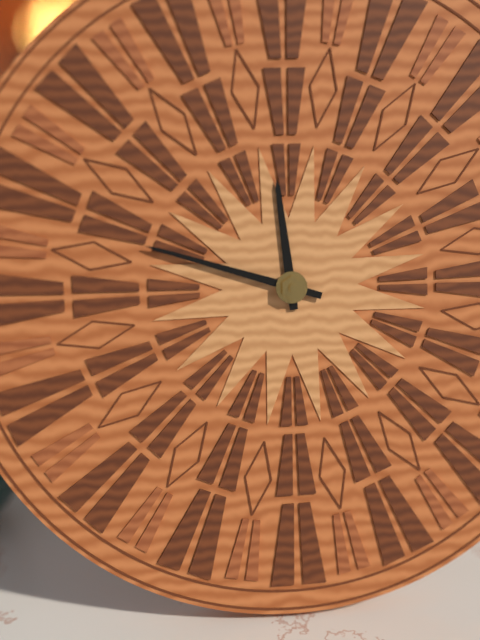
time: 11:48
